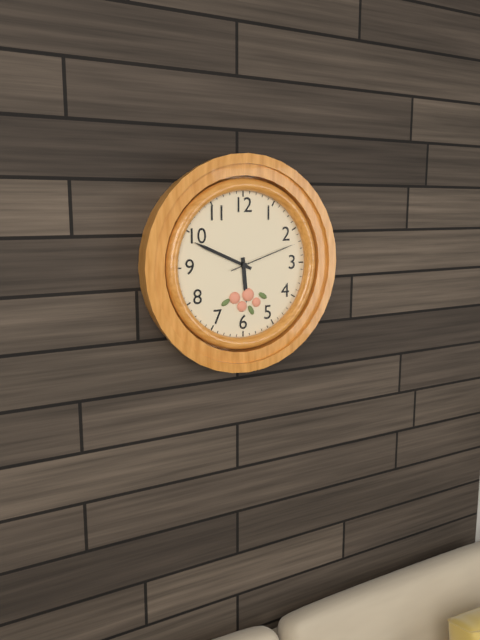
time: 5:49:12
